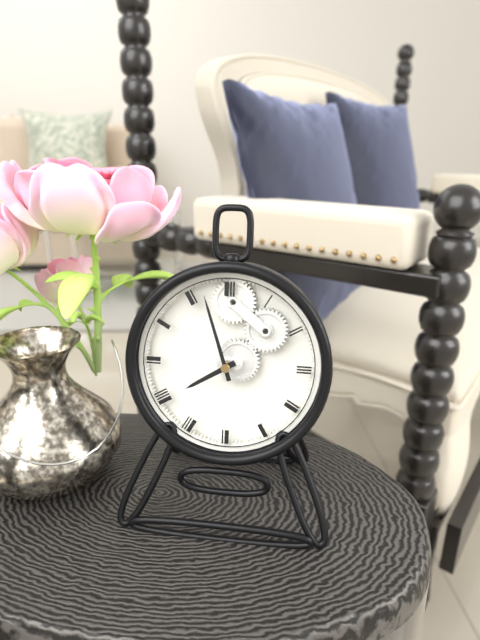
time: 7:57
